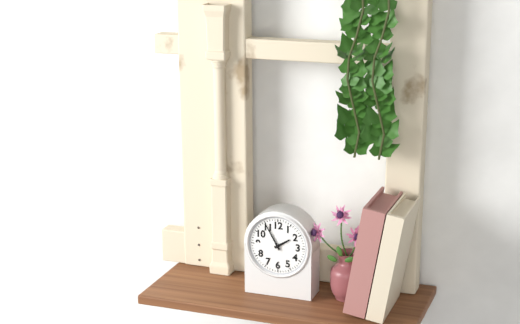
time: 1:55
